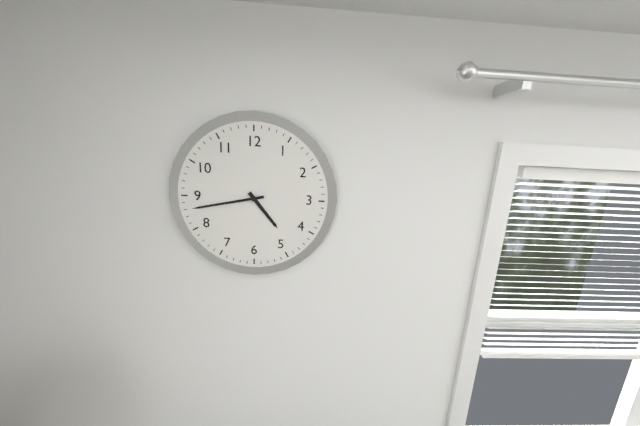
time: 4:43
